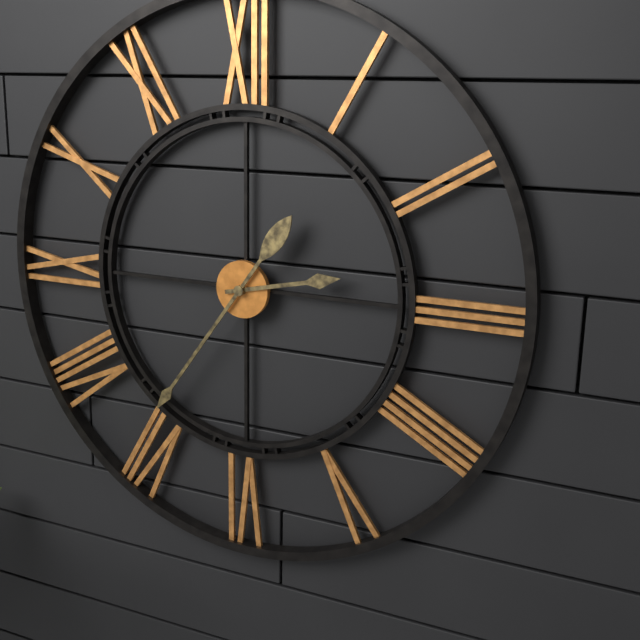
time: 2:36
